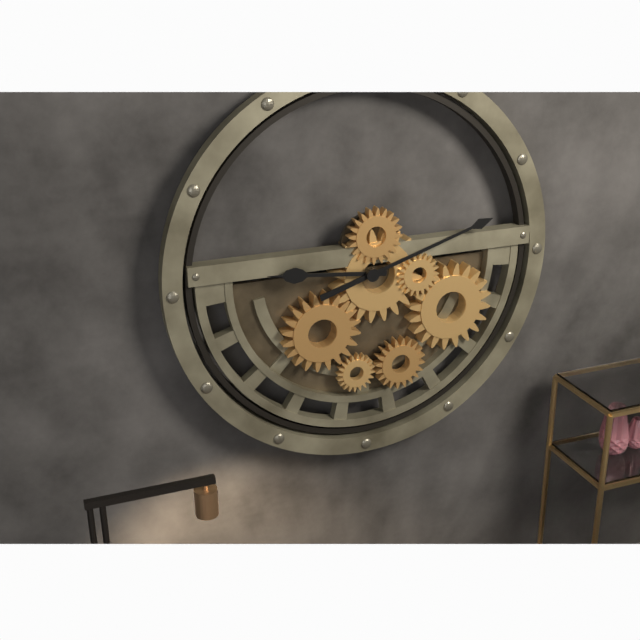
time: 9:12
